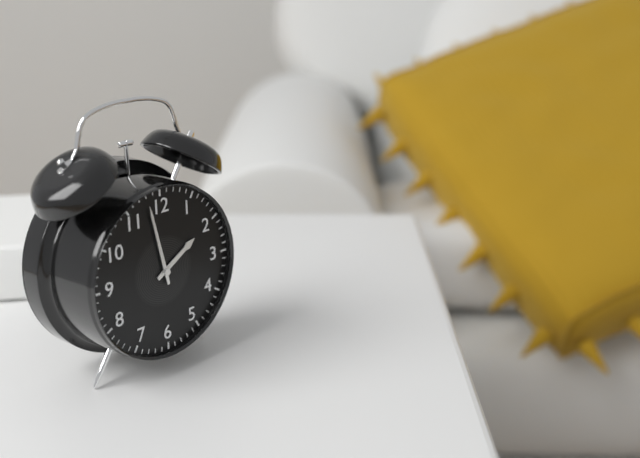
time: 1:58
